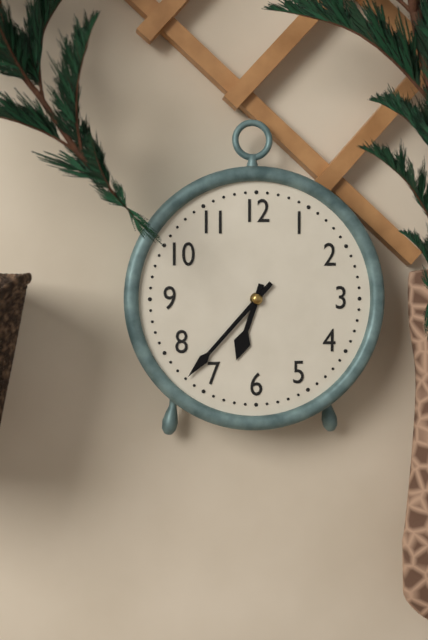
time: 6:37
